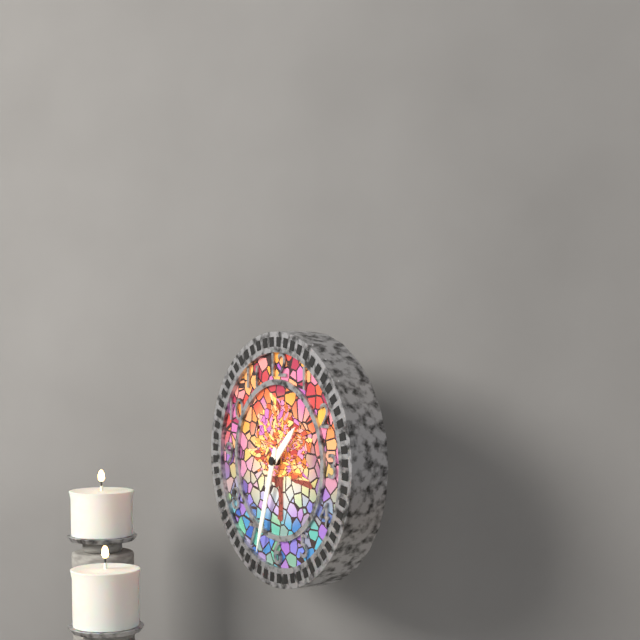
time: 1:33
